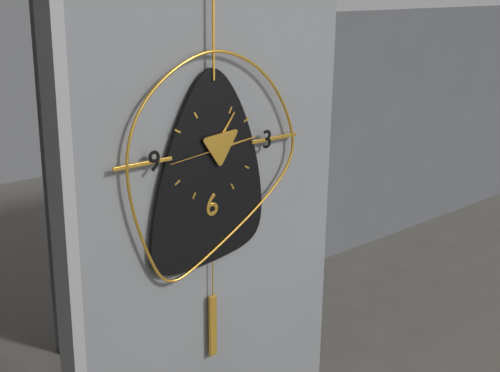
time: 1:14:44
